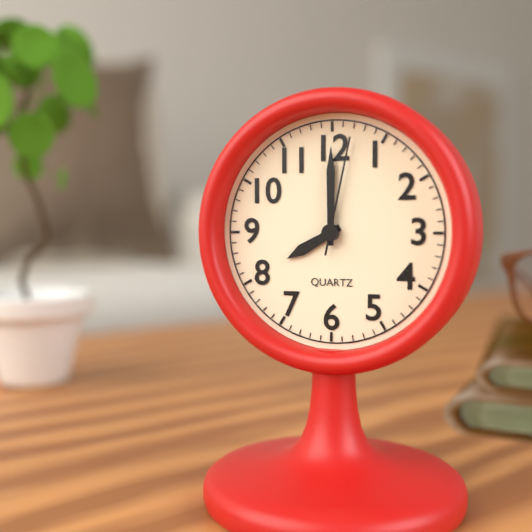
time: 8:00:02
